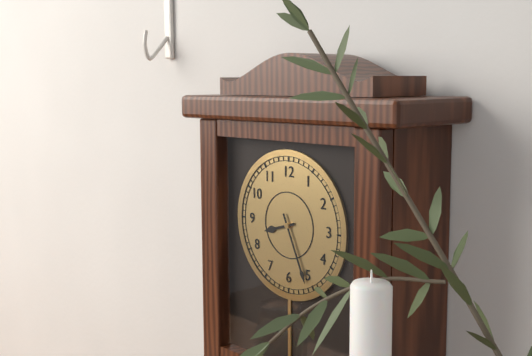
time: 8:26
